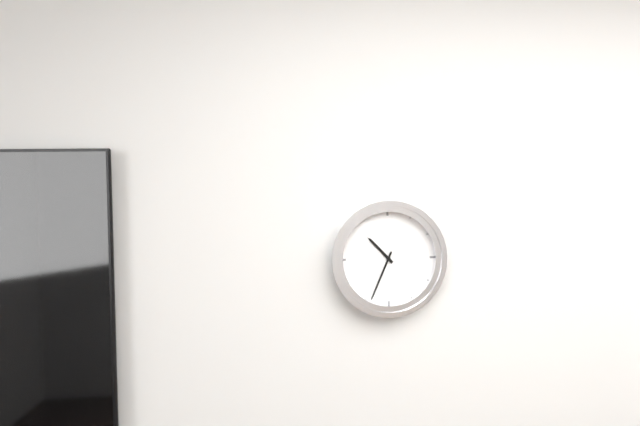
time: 10:34
